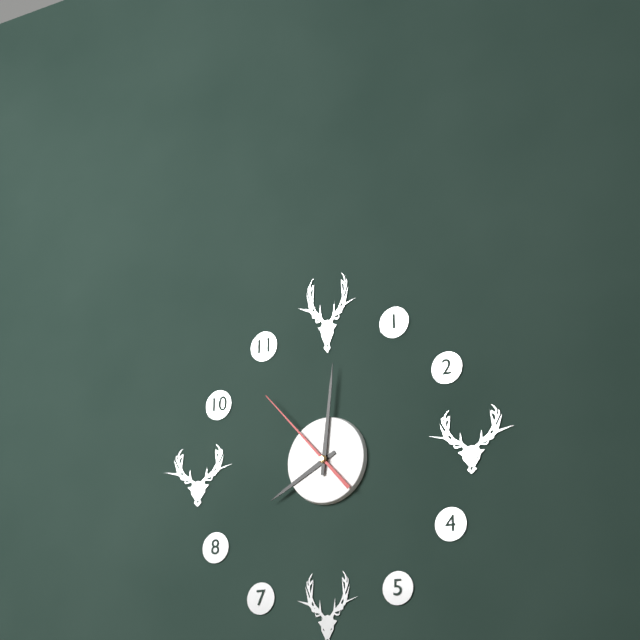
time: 8:01:53
